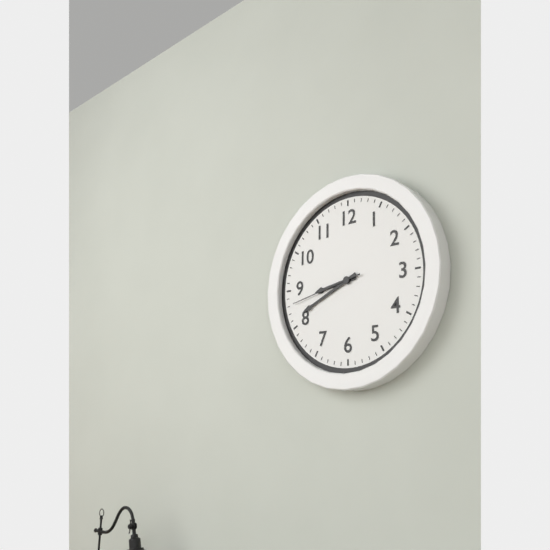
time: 8:41:43
